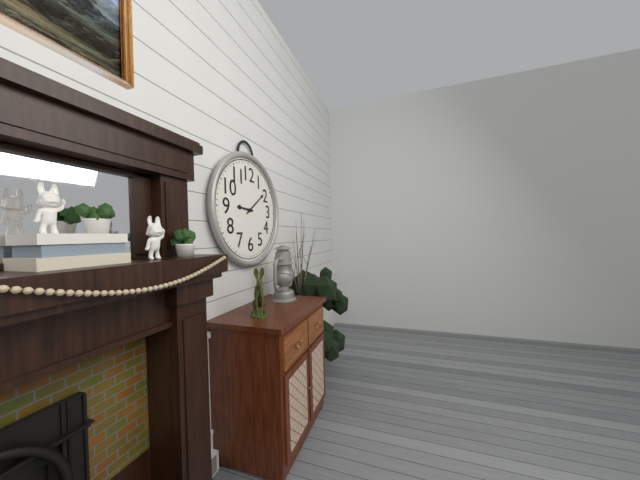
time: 9:09
